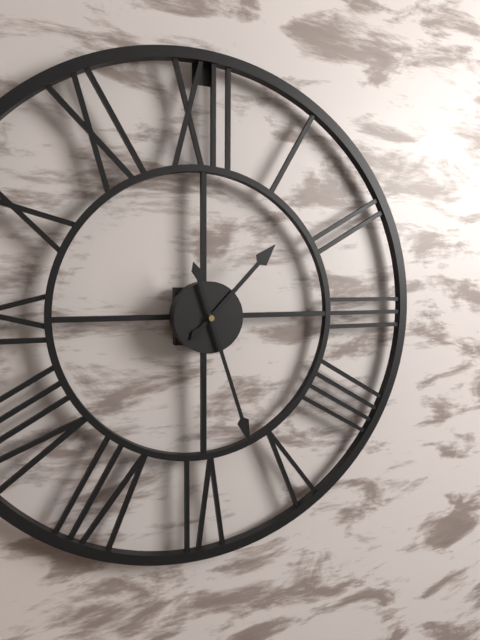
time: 1:27
